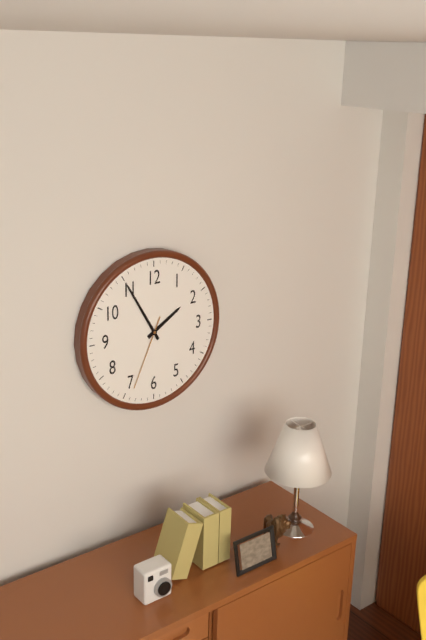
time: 1:55:34
